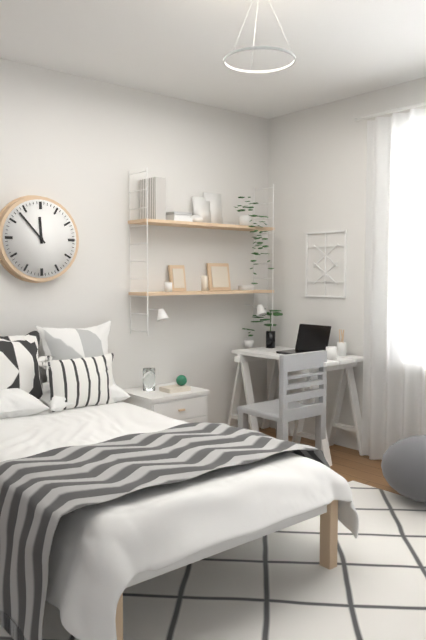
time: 11:53
